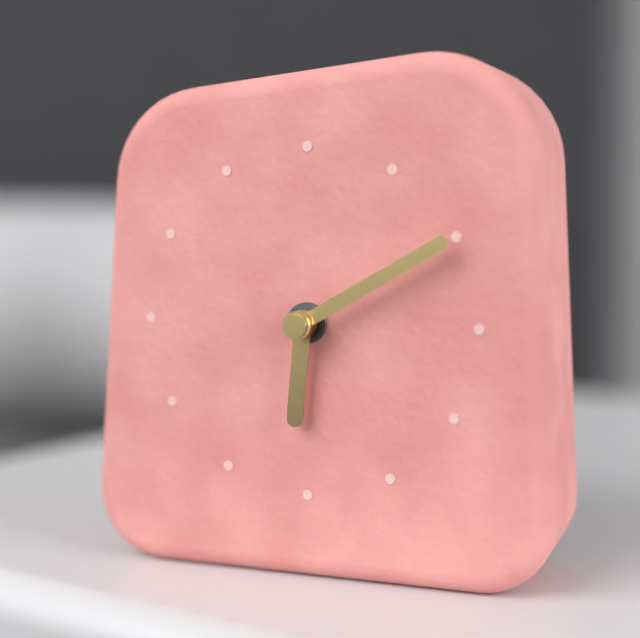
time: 6:10
